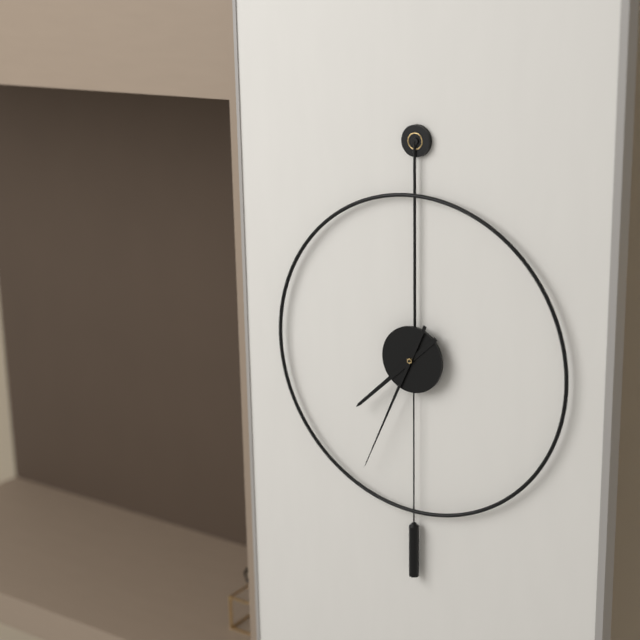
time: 7:34
